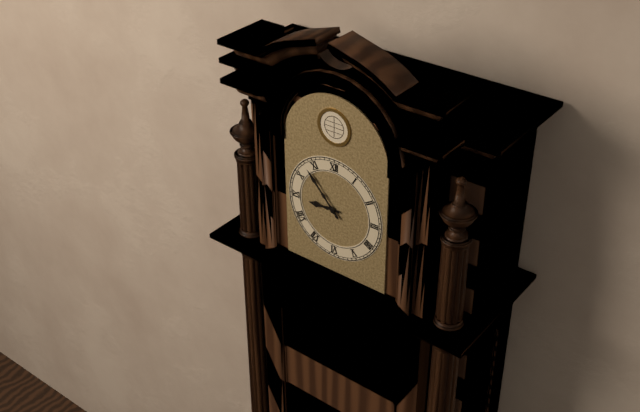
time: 8:53
